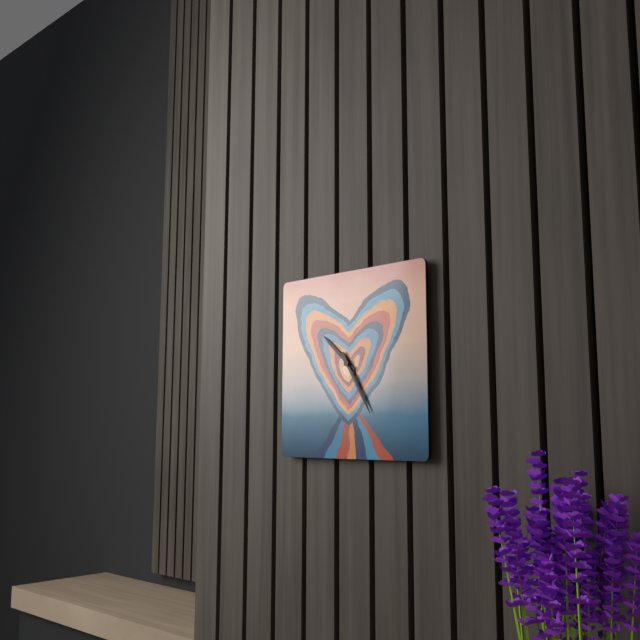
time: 10:25
